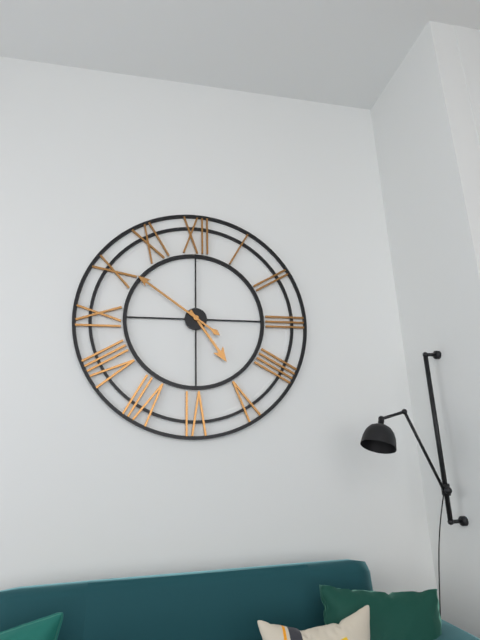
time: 4:51
